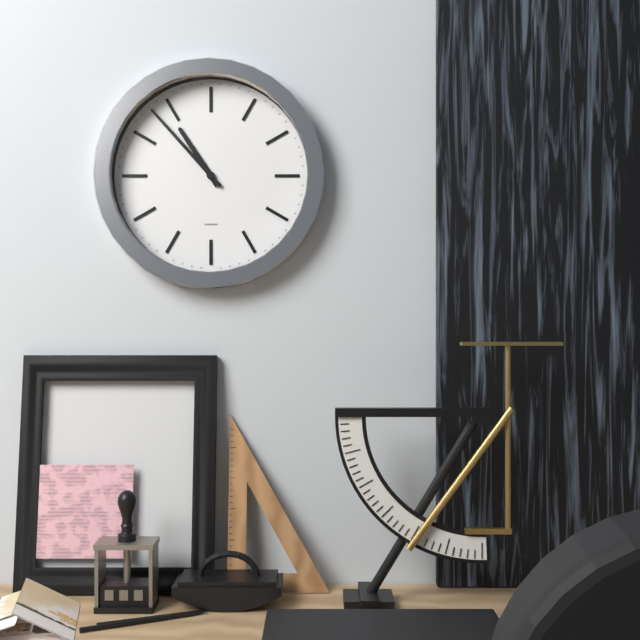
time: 10:53
